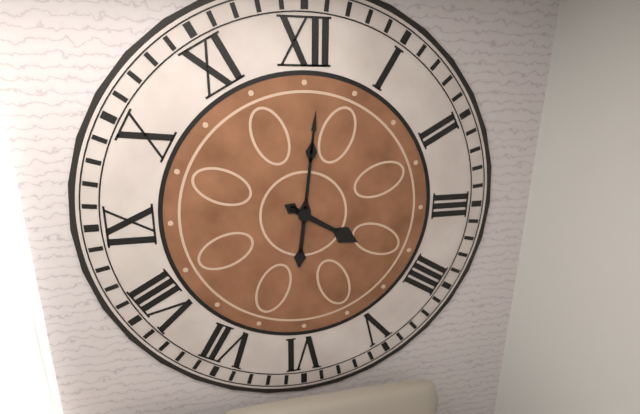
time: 4:01
